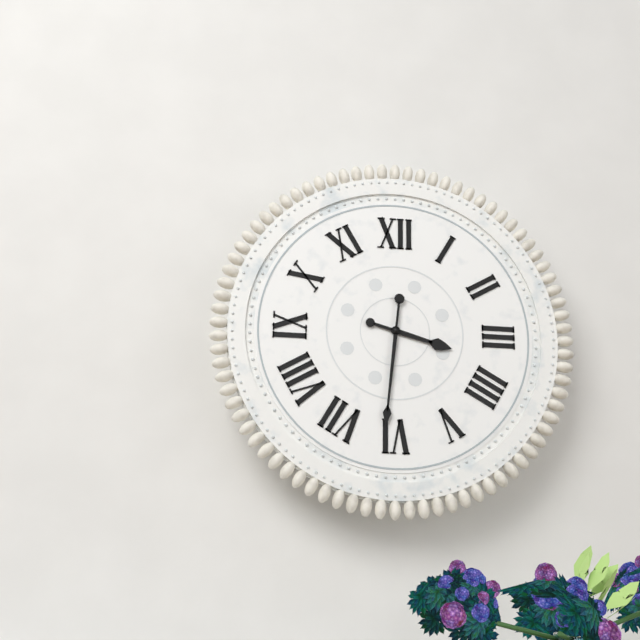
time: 3:31
